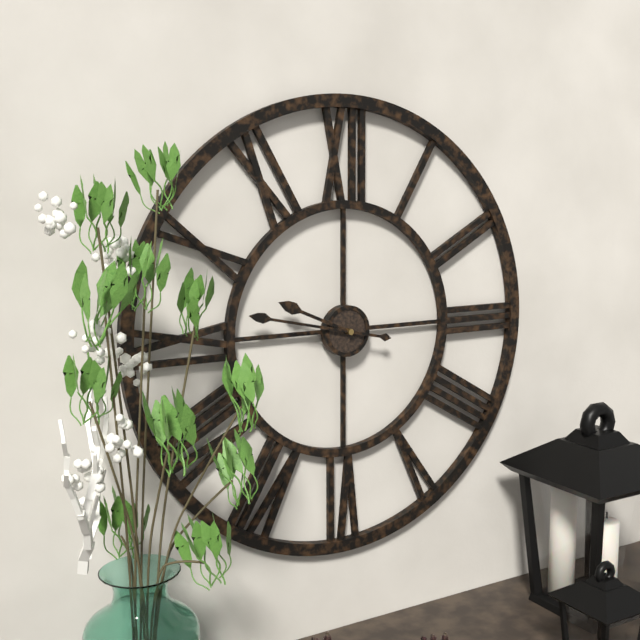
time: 9:47
